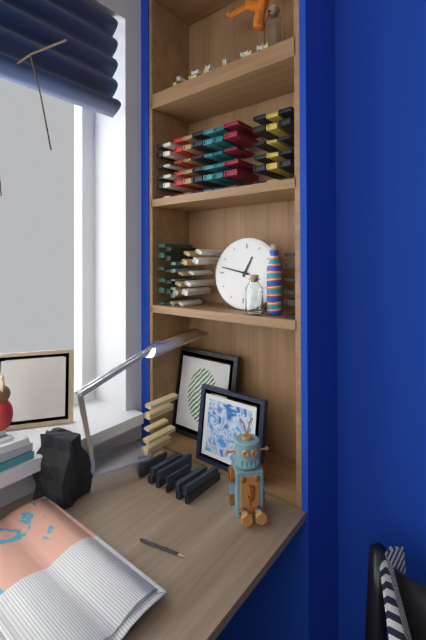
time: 12:47
